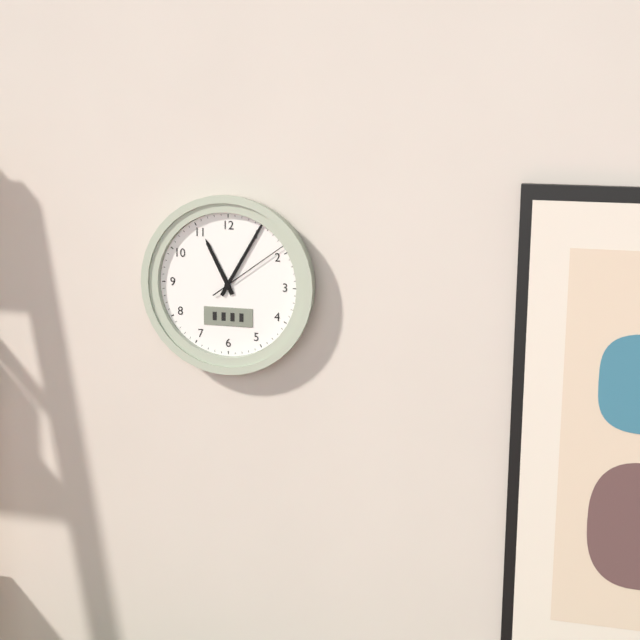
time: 11:05:09
